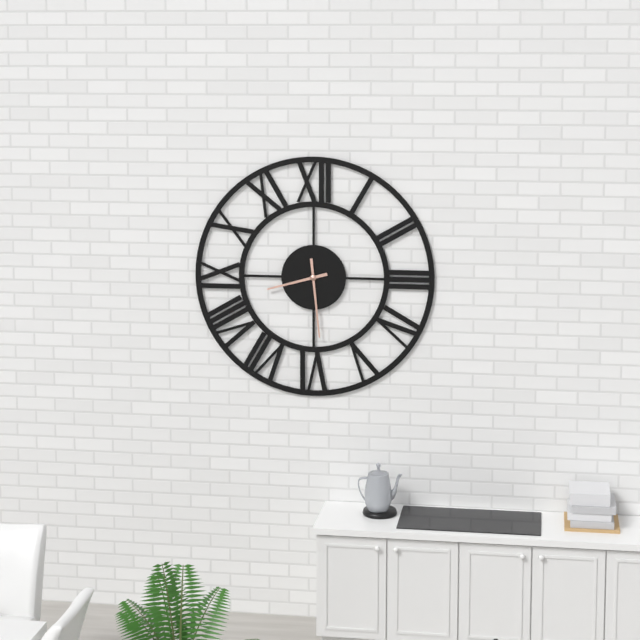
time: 8:29
